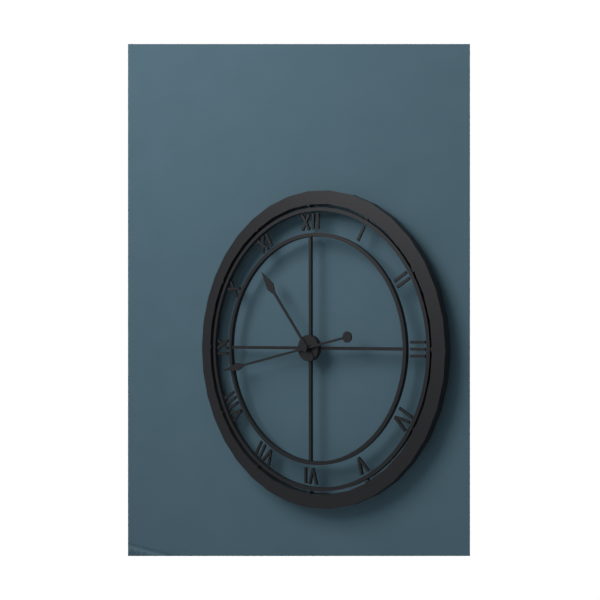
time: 10:43
